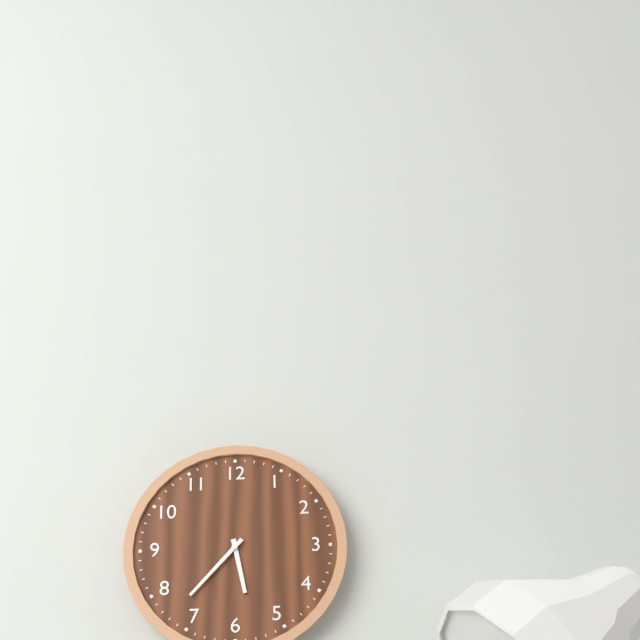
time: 5:37
